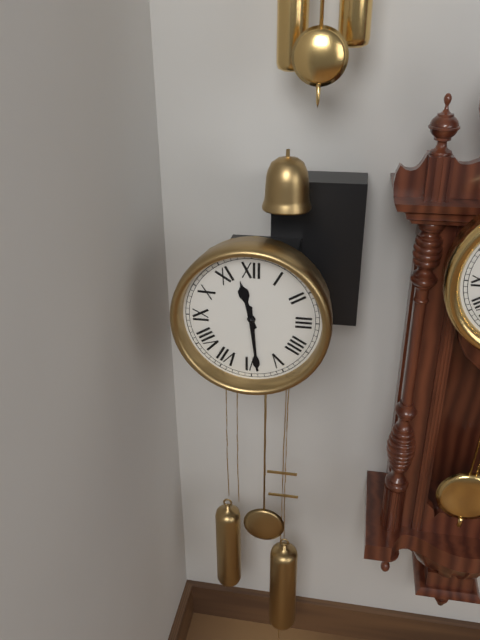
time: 11:29
